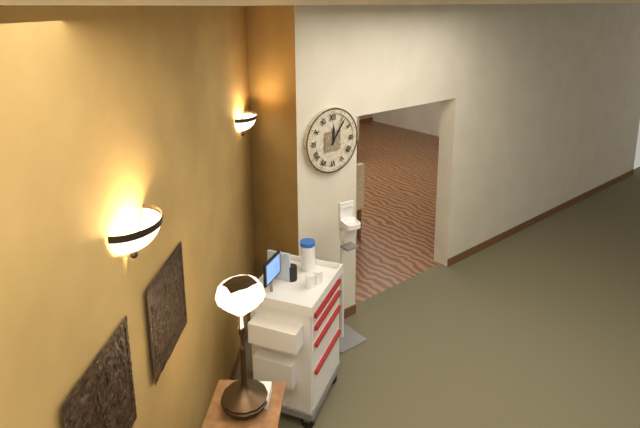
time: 12:06
